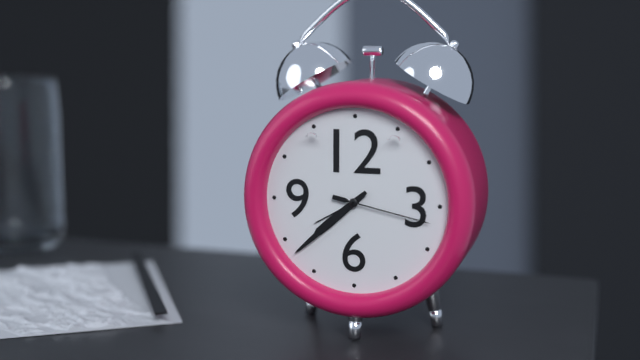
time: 7:38:17
